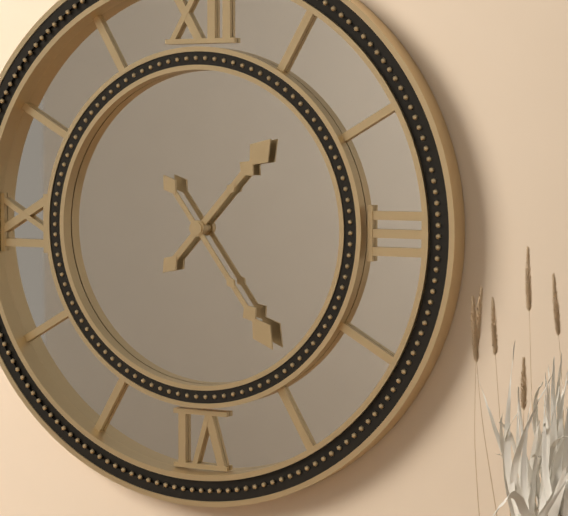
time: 1:24
